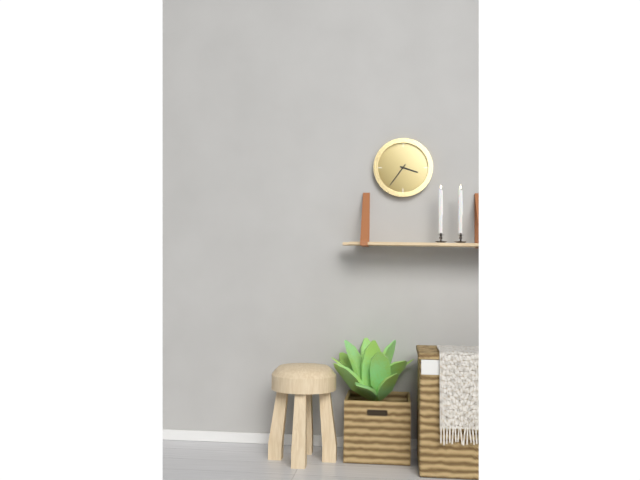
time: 3:36
